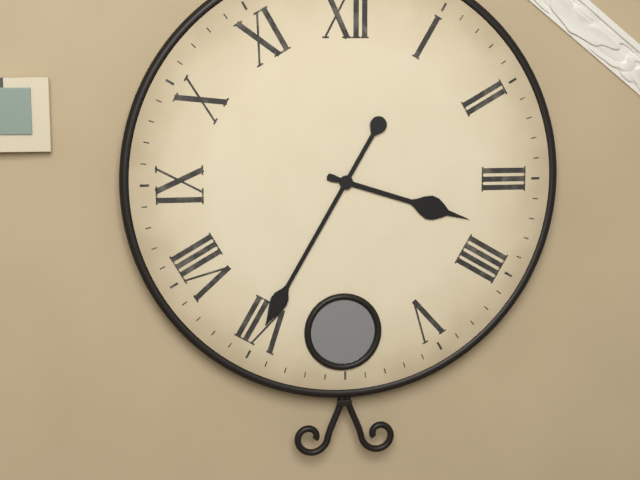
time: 3:35
